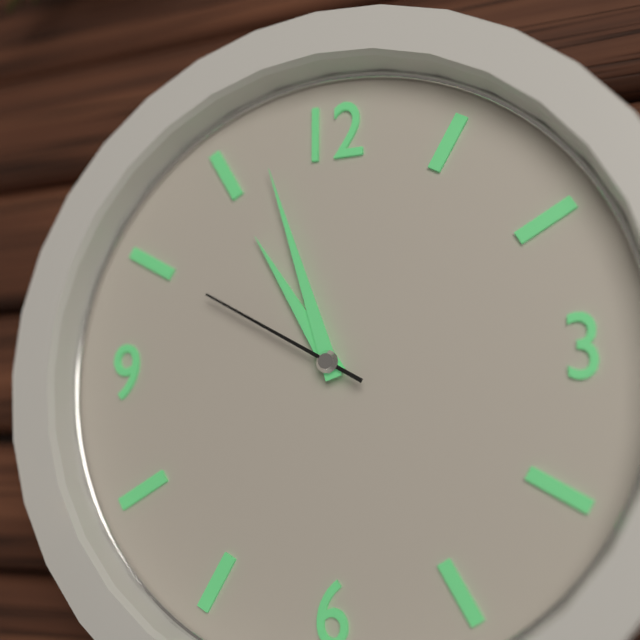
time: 10:57:50
